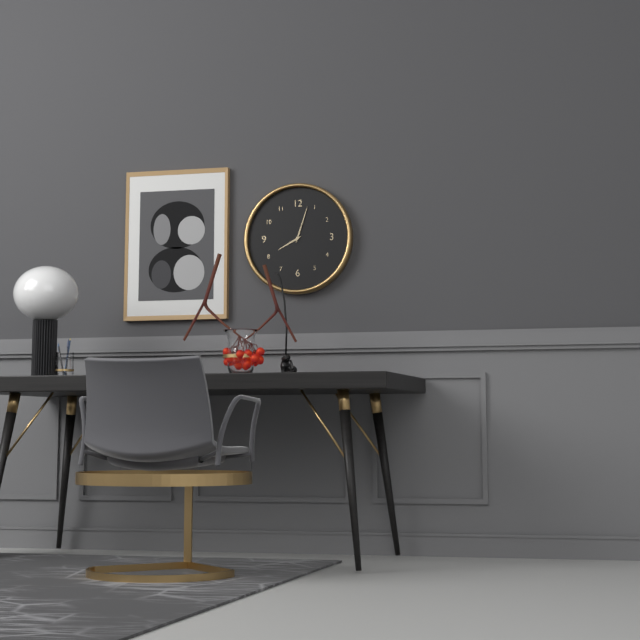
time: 8:03
